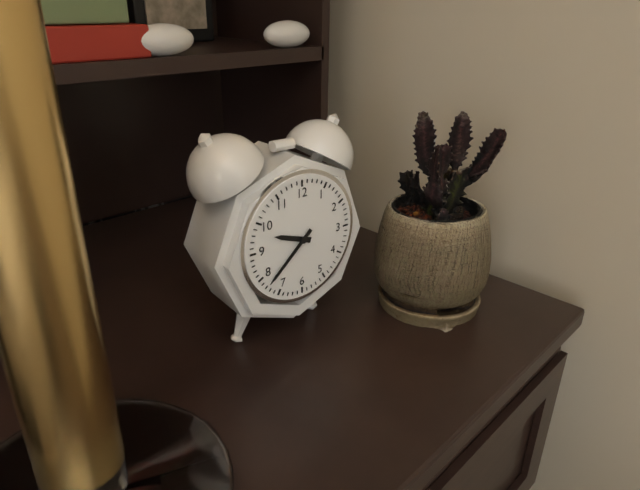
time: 9:38
